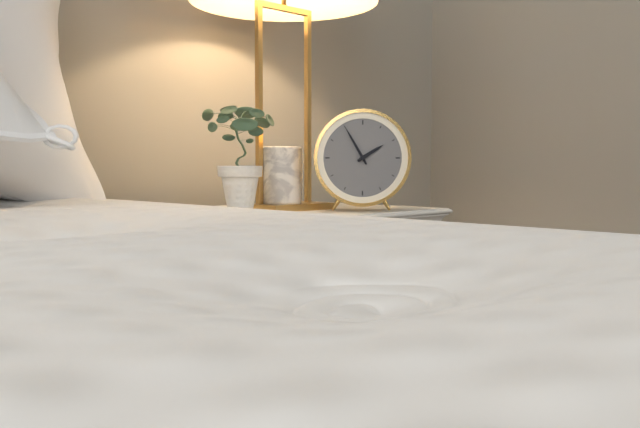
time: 1:55
